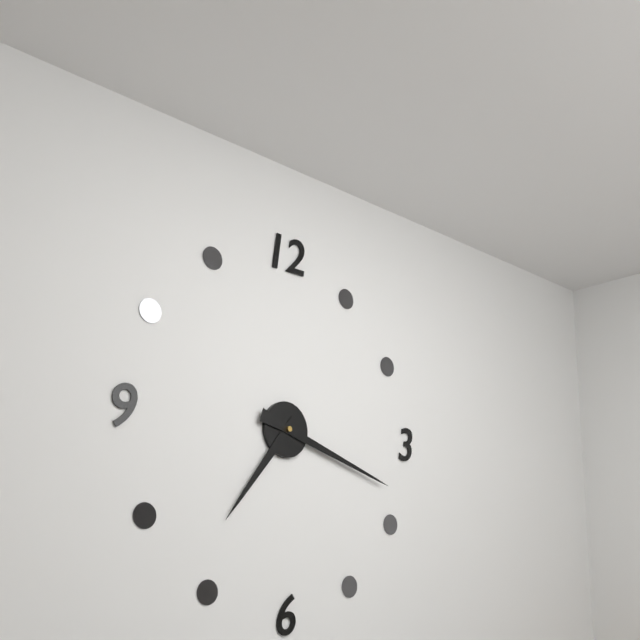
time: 7:18
